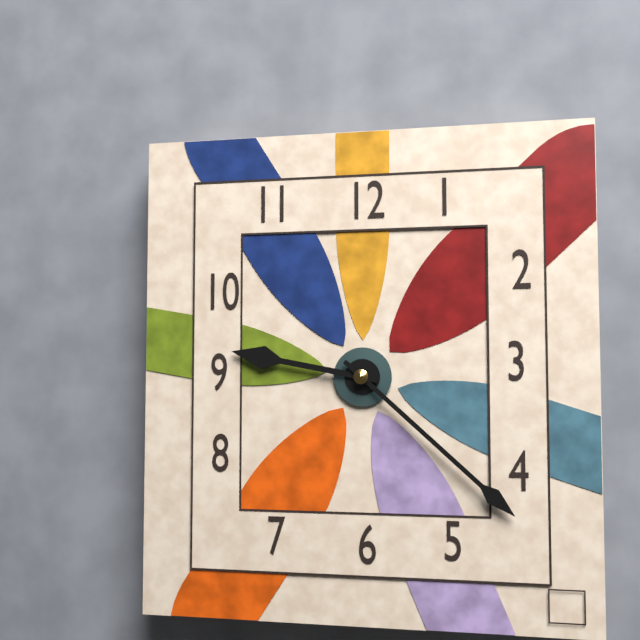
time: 9:22
